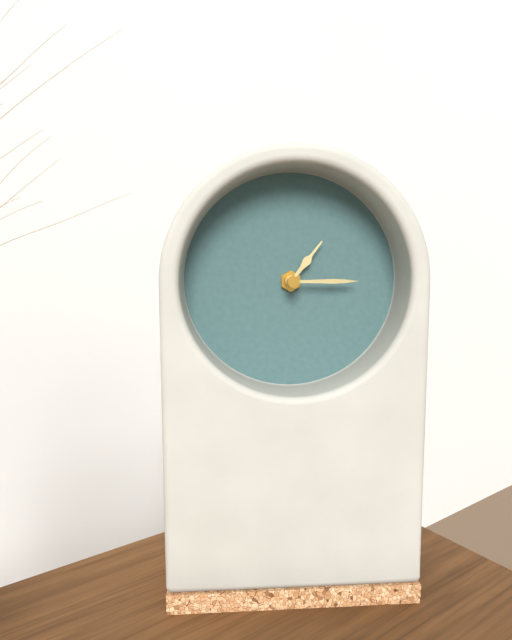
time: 1:15
